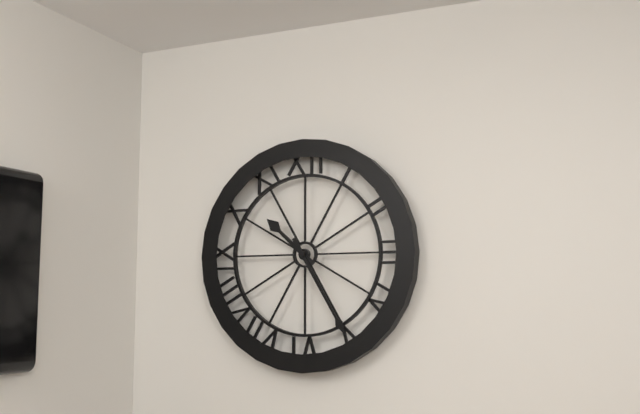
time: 10:25
